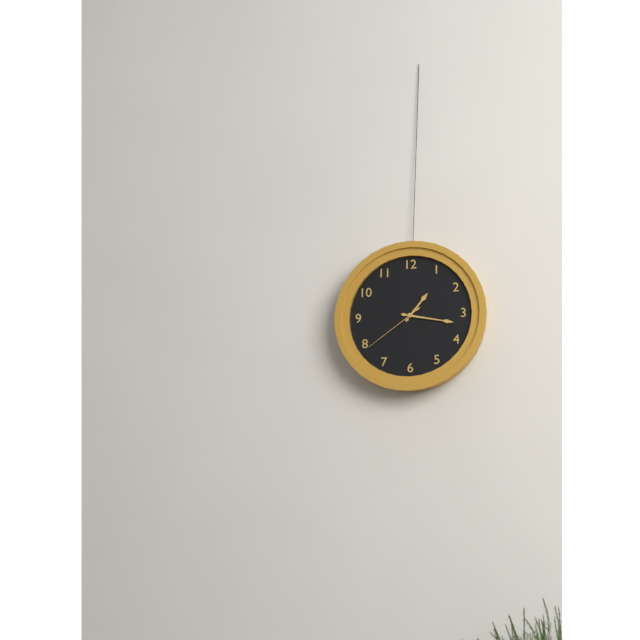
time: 1:17:39
